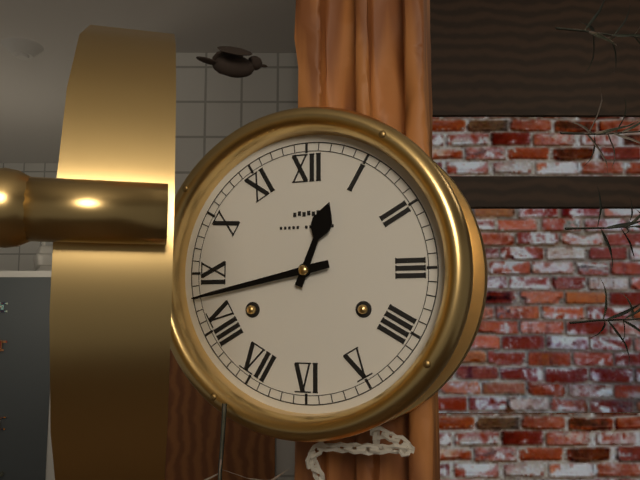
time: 12:43
